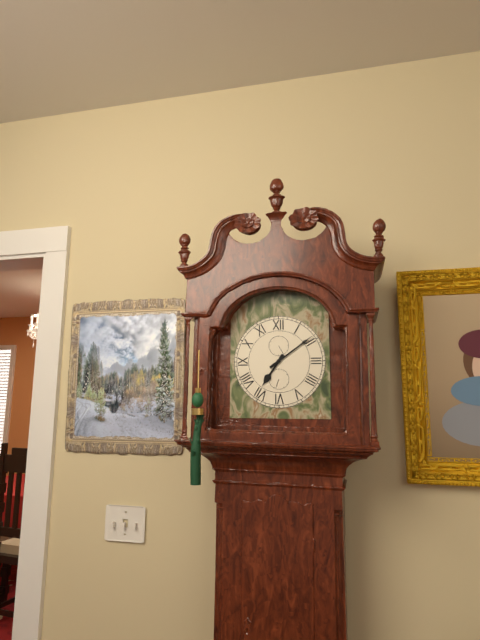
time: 7:09
